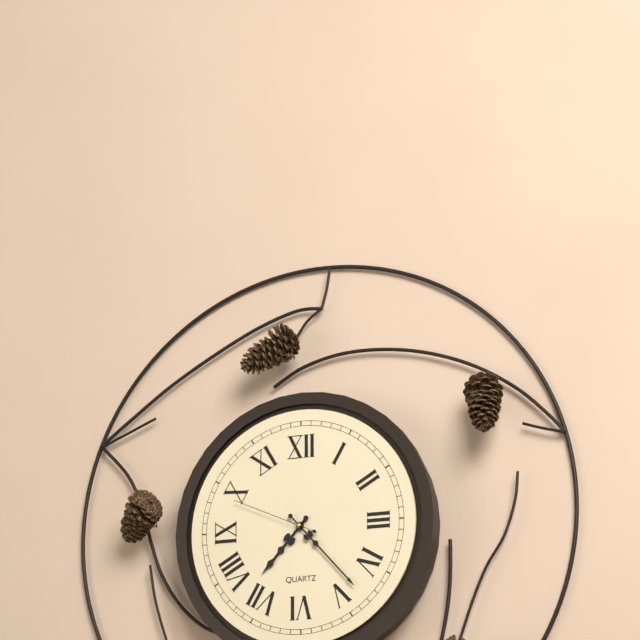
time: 7:23:49
